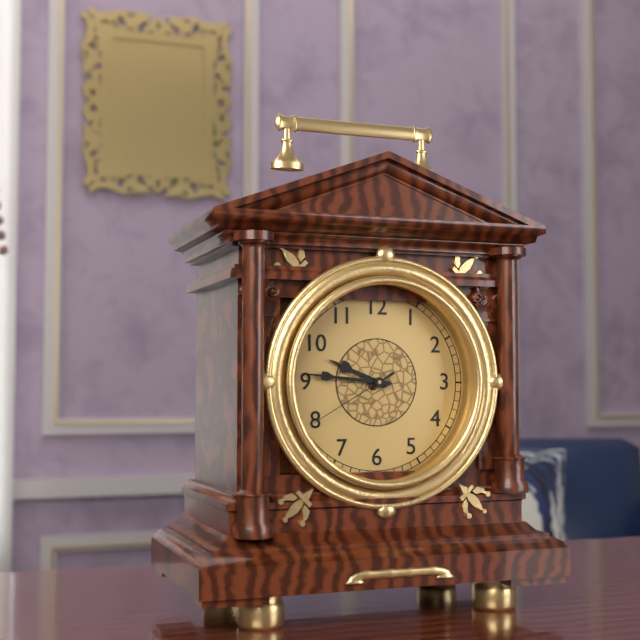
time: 9:46:40
